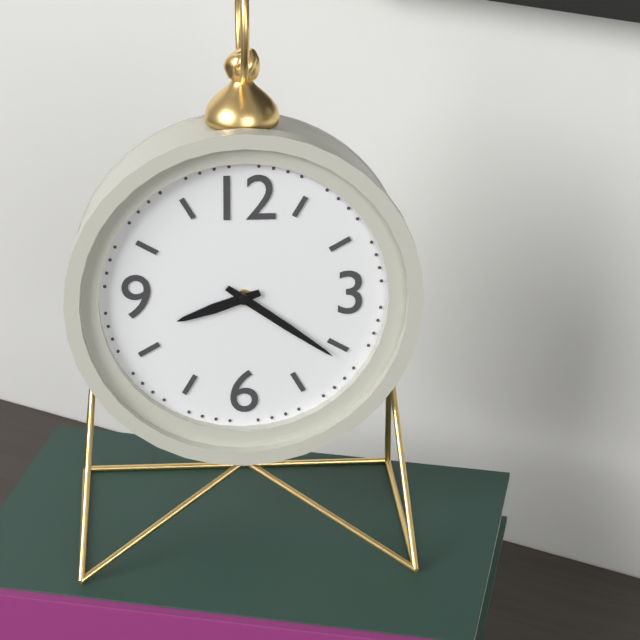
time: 8:21
